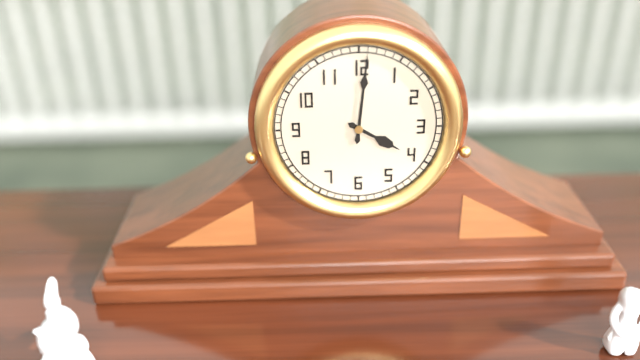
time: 4:01
